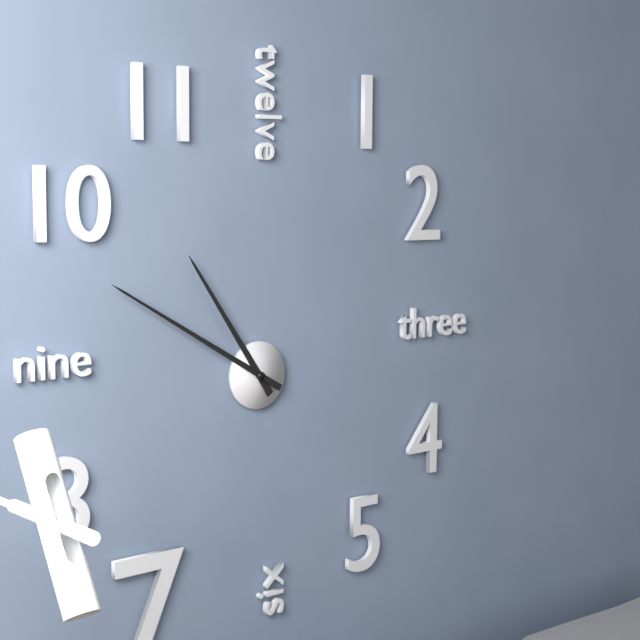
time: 10:50
